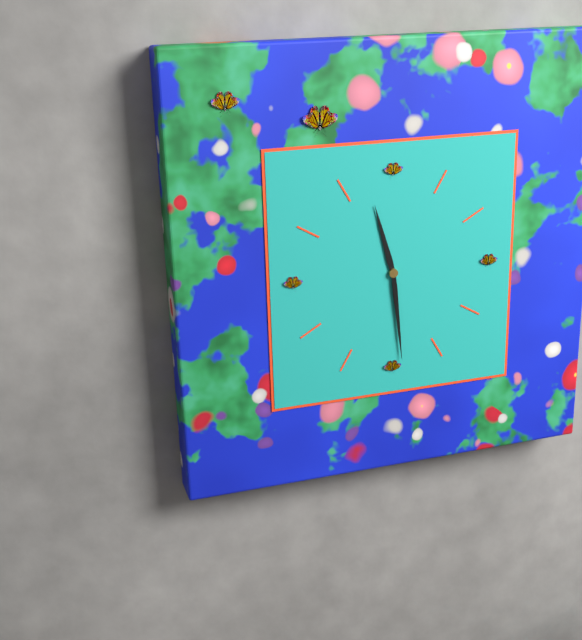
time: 11:29
